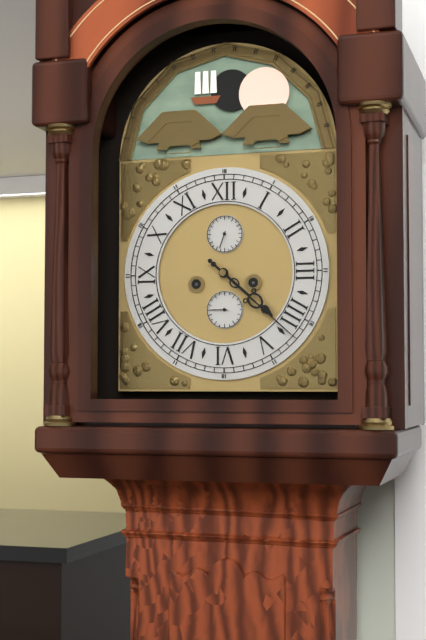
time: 4:22
